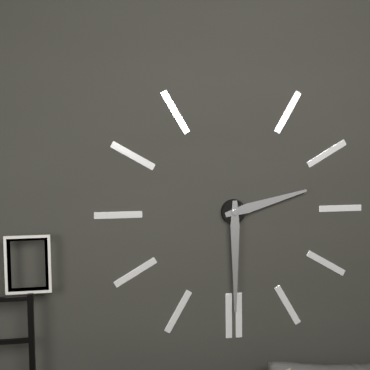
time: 2:30
